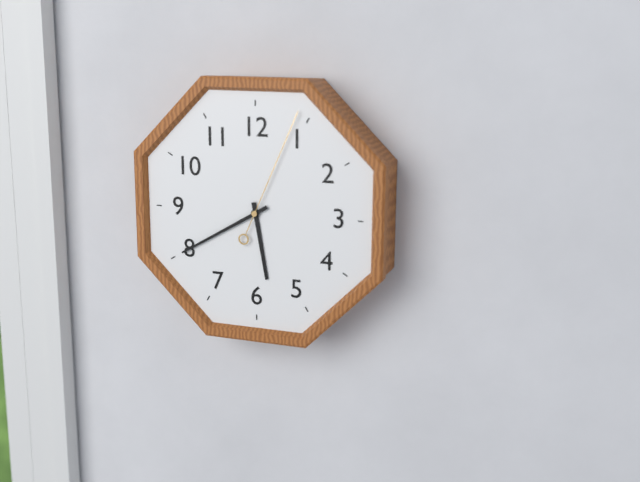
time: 5:40:04
